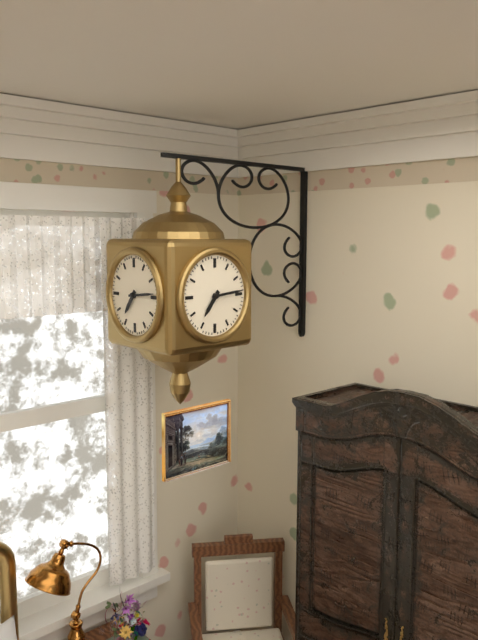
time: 7:14
